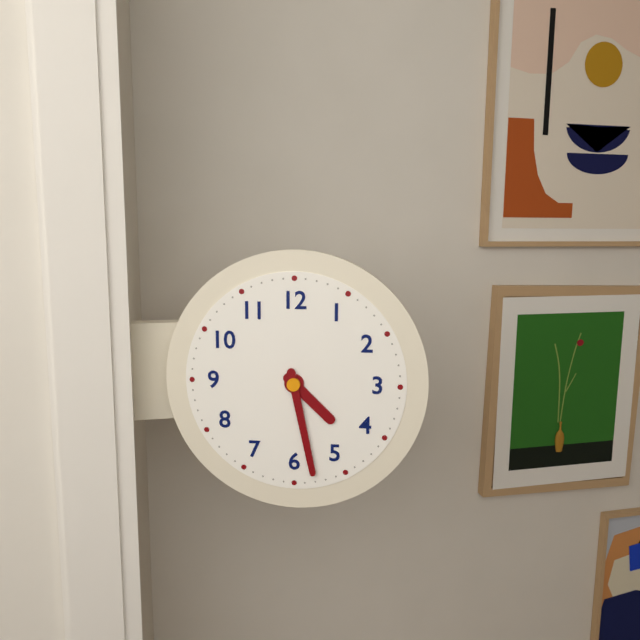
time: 4:28
